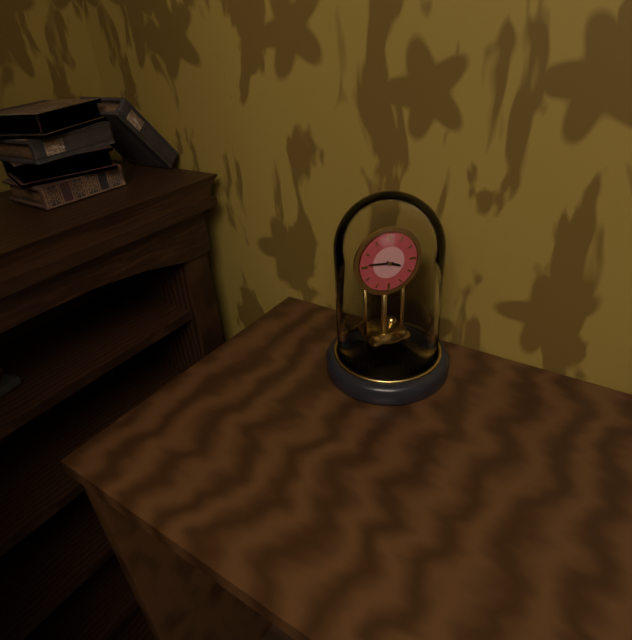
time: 3:46
